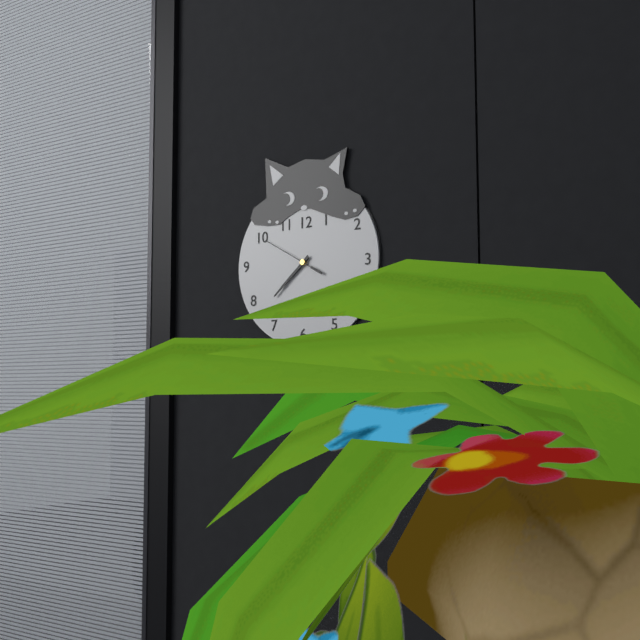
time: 7:38:50
